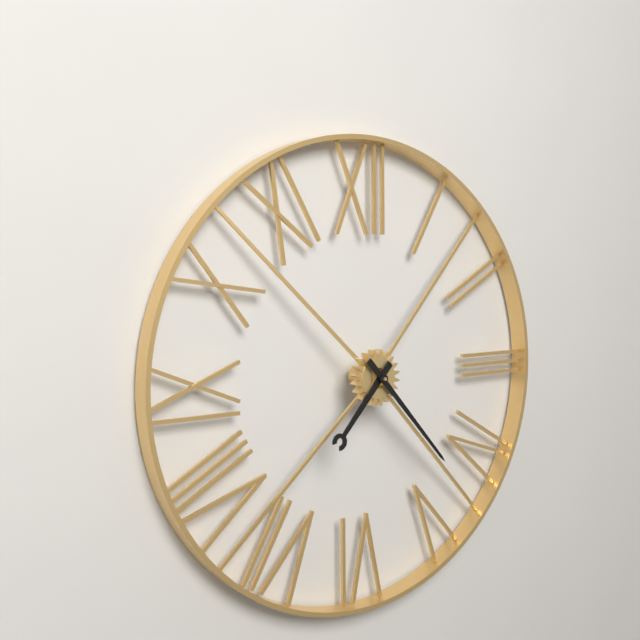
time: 7:23
